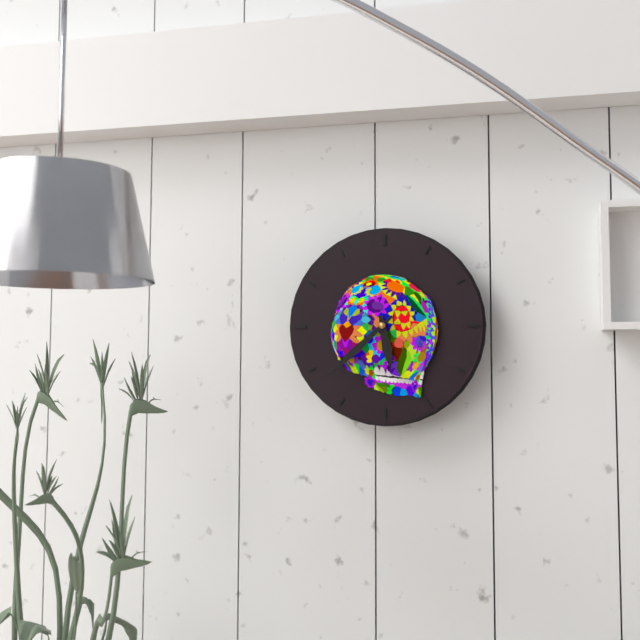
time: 5:38
